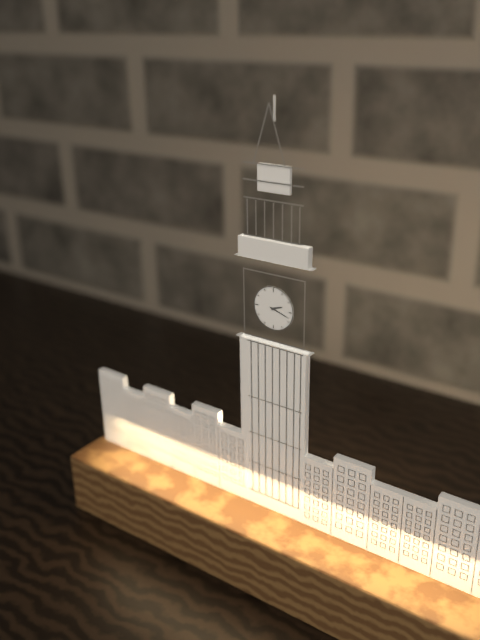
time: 2:18
